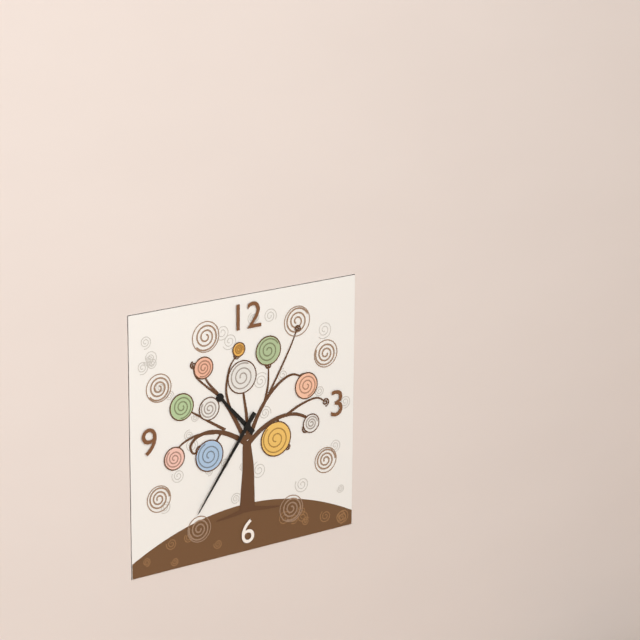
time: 10:36
